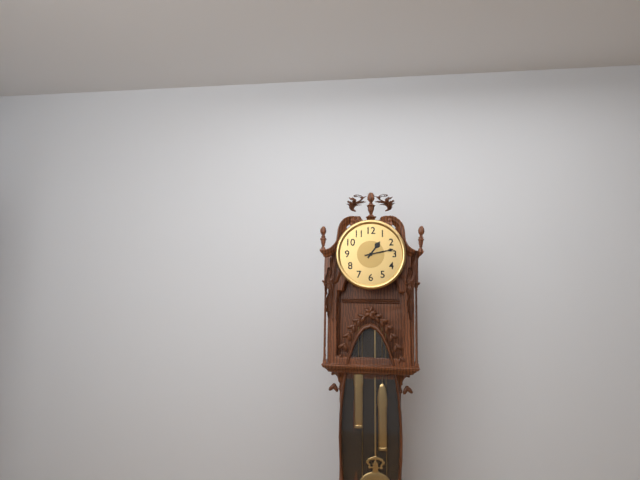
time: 1:13
